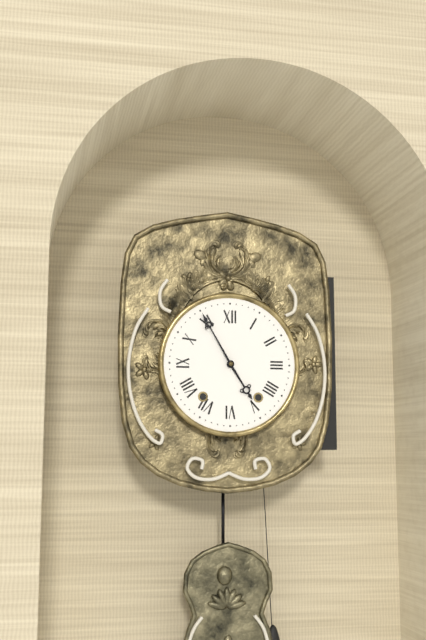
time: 4:55
